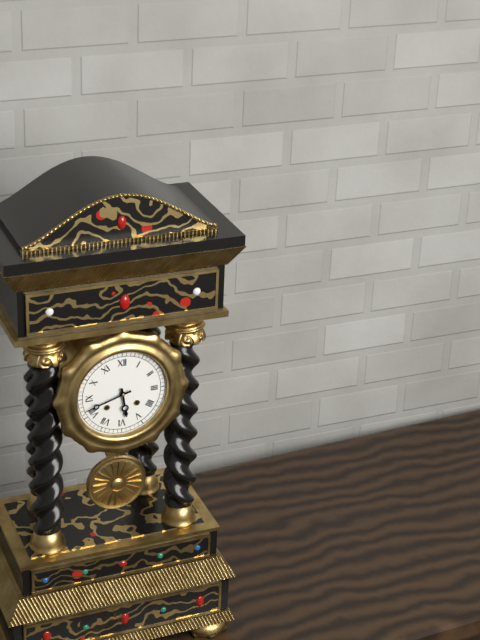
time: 5:42
